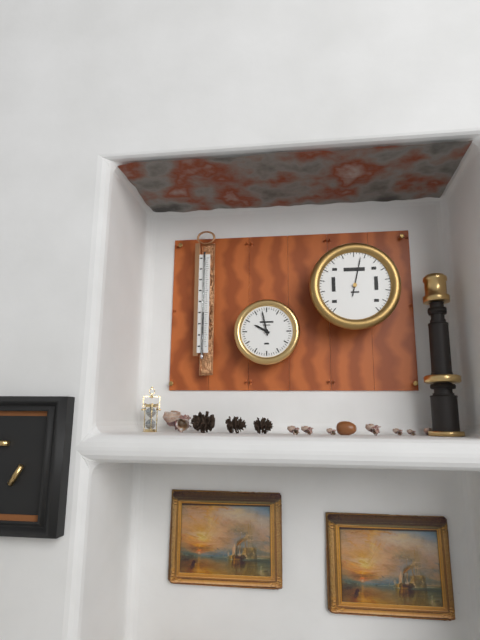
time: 9:58
